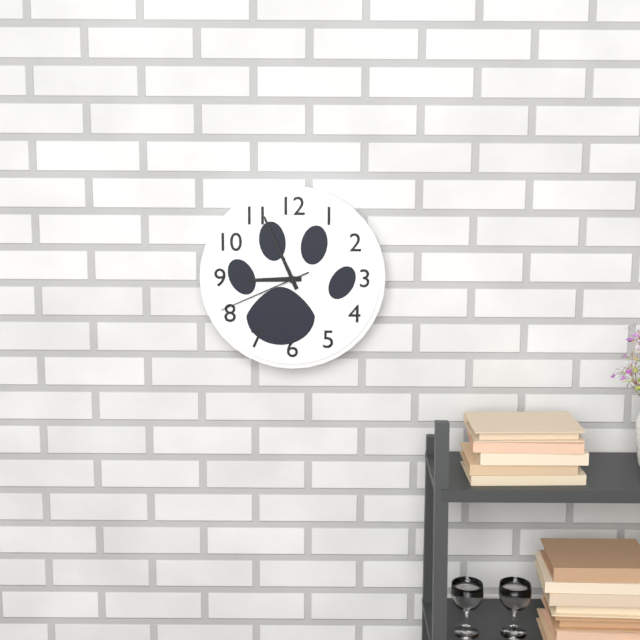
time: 8:56:41
